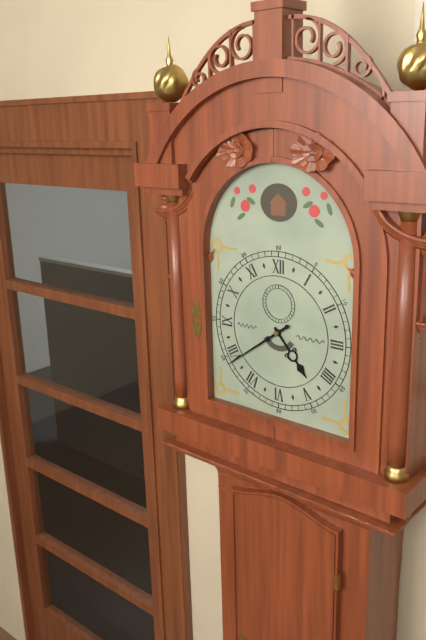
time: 4:39
